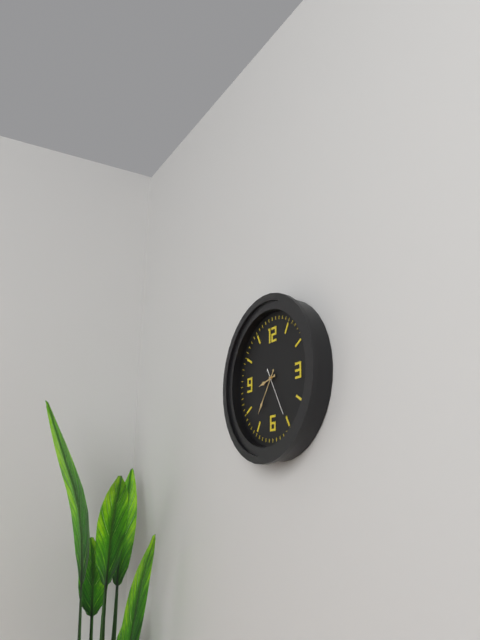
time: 8:36
